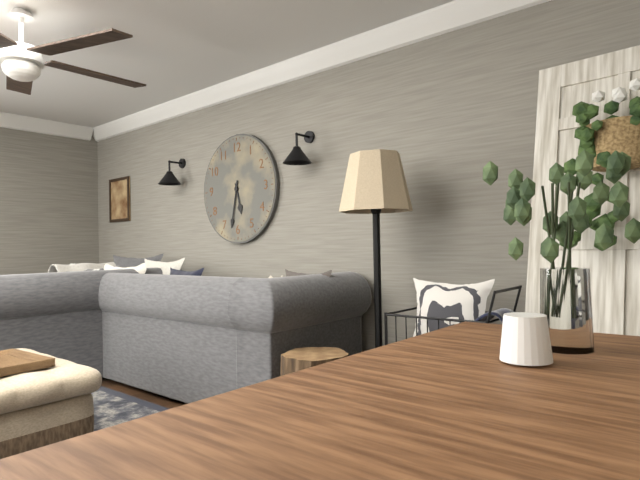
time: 5:32
